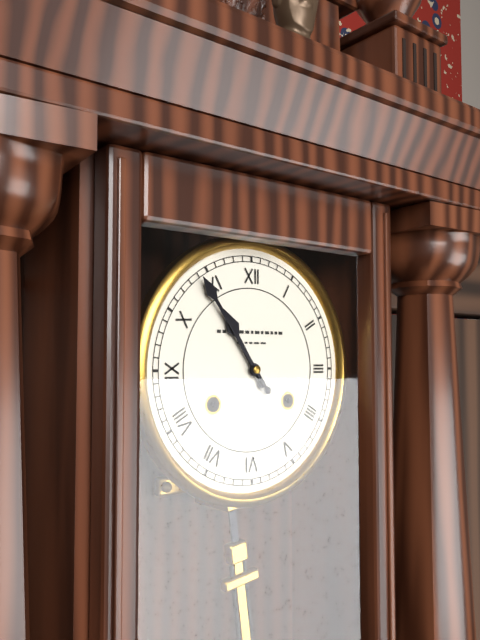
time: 10:54
